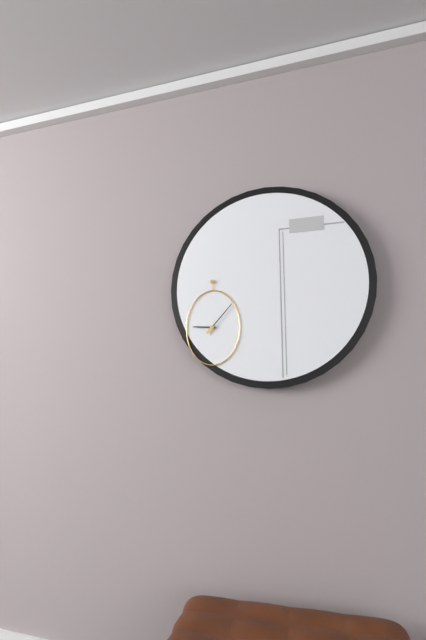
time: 9:07
